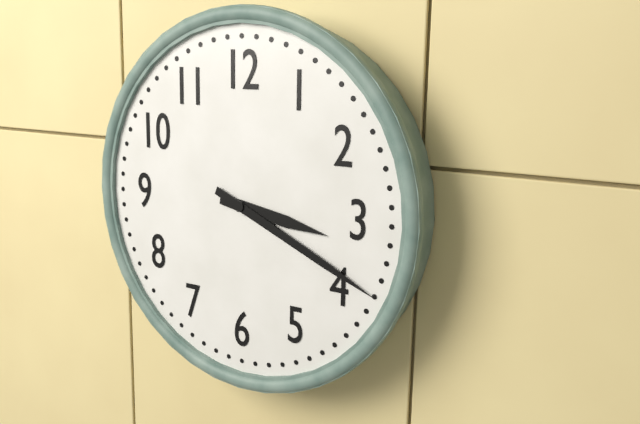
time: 3:19
